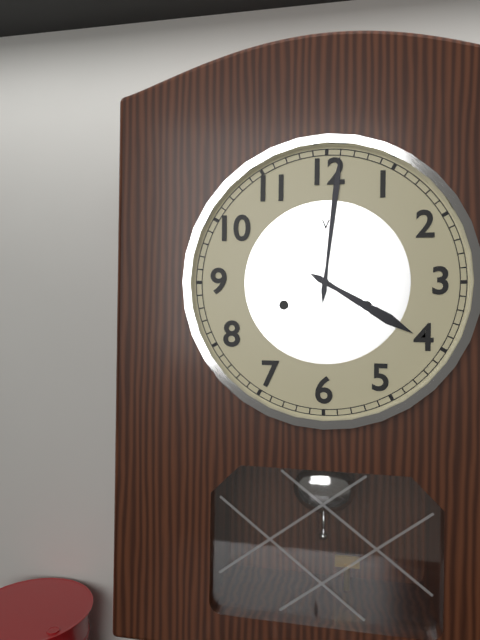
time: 4:01
